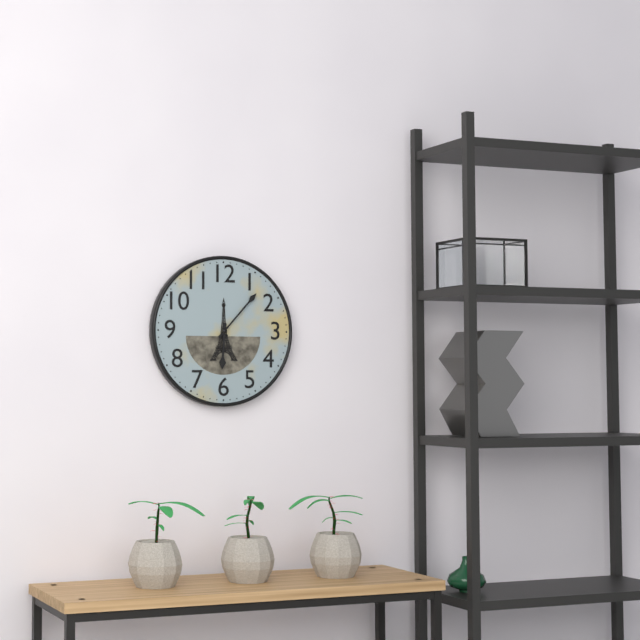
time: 6:07
